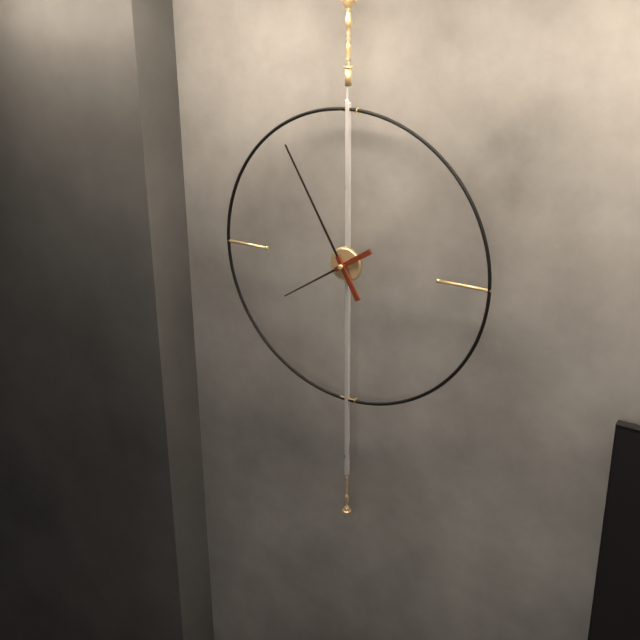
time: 7:55
